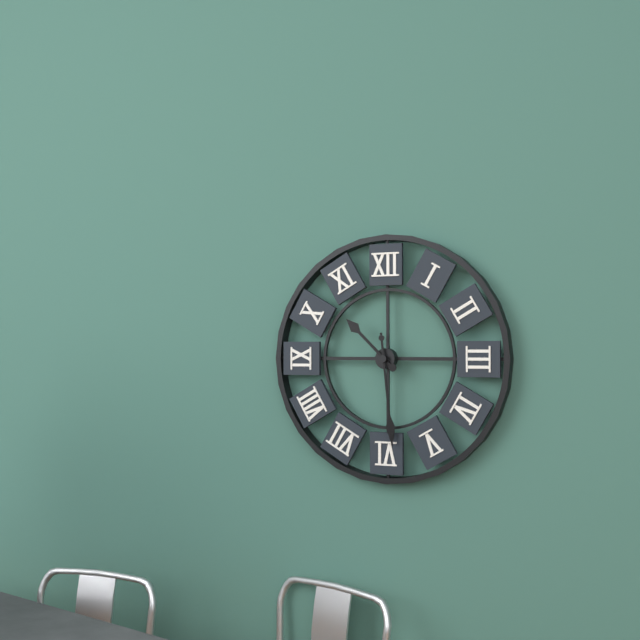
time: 10:29
